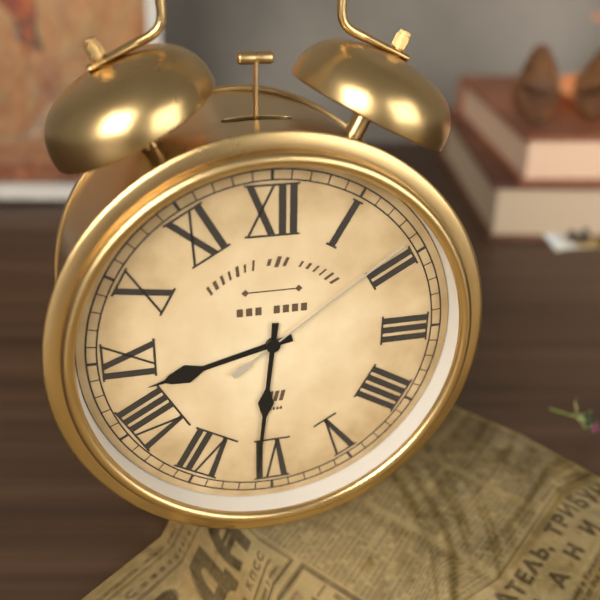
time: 8:31:09
